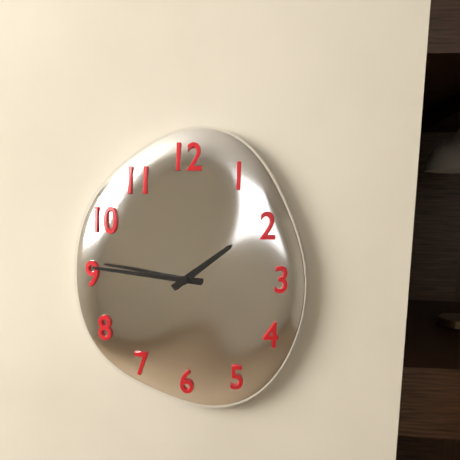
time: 1:46
